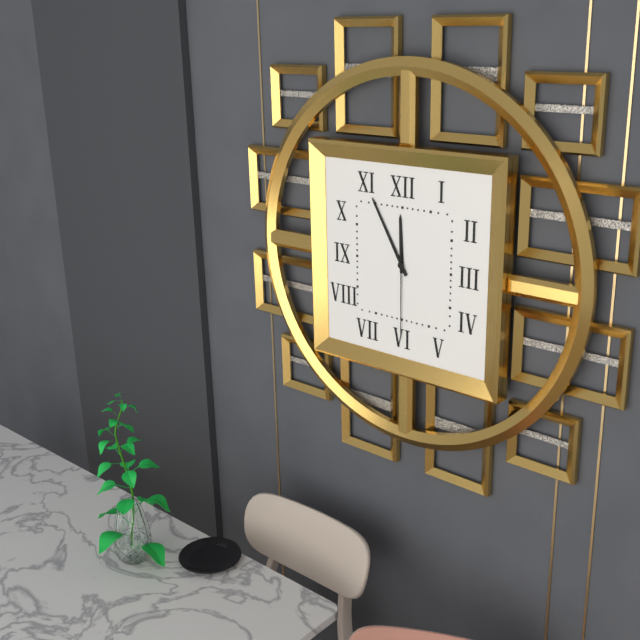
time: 11:55:30
